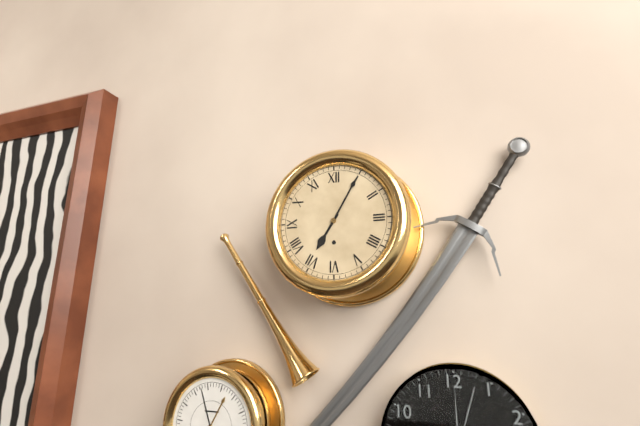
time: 7:05
